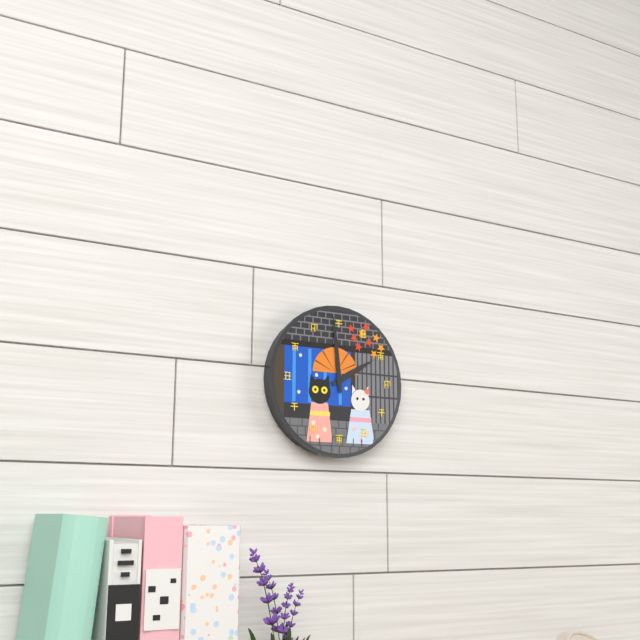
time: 1:59
